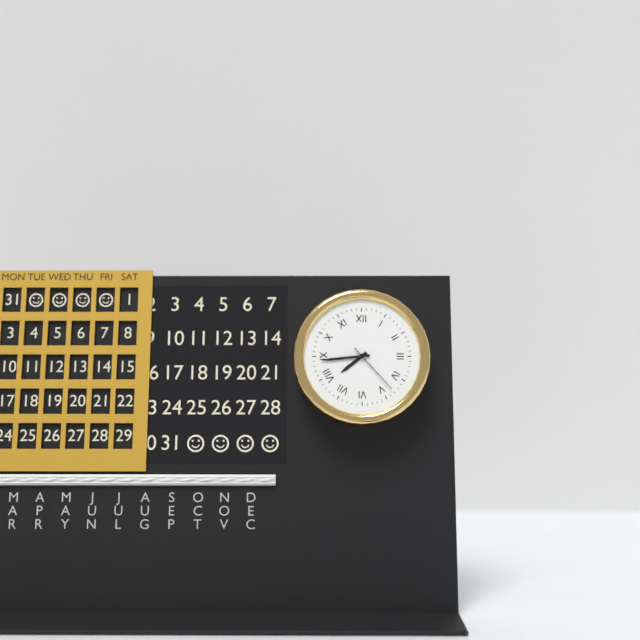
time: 7:44:23
